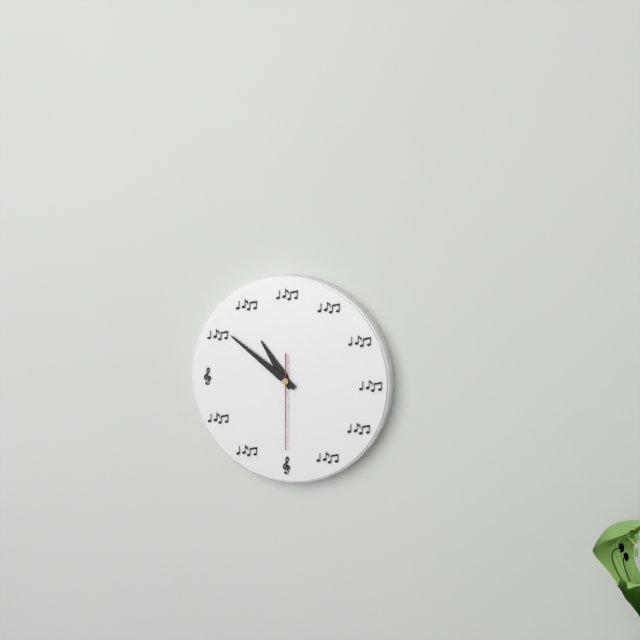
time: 10:51:30
